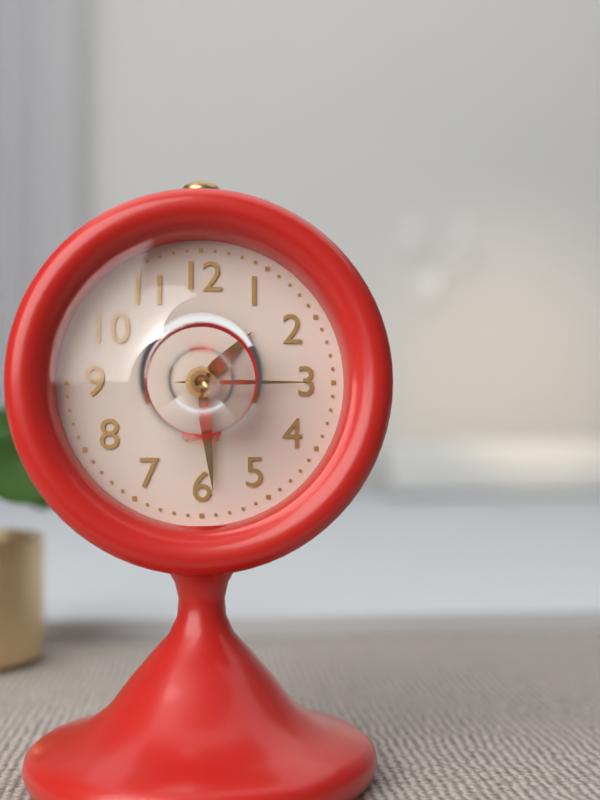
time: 1:29:15
